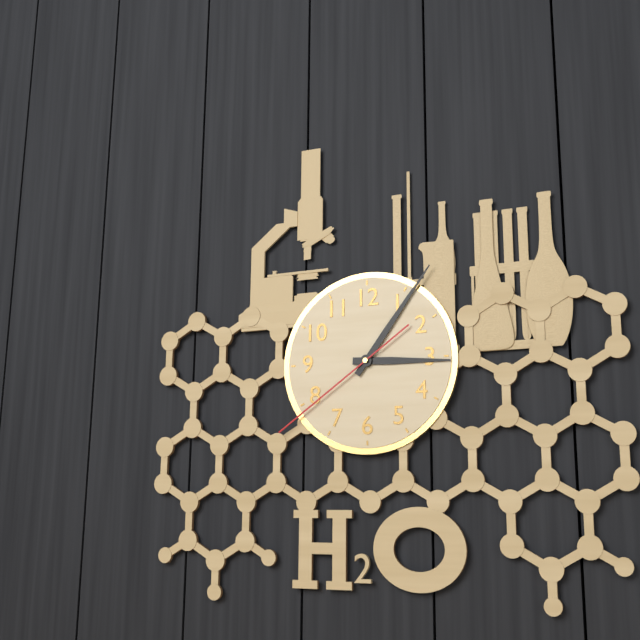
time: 3:06:39
